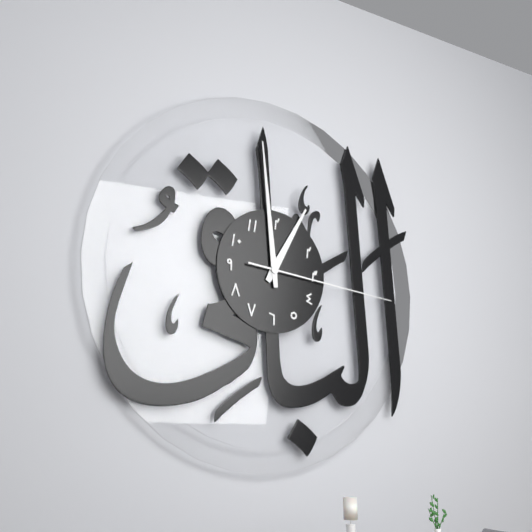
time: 12:59:16
